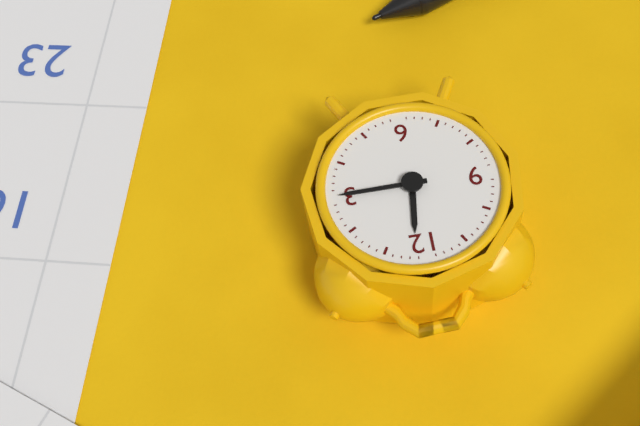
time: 12:15
